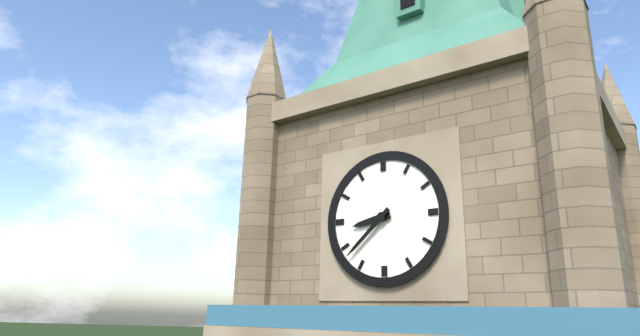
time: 8:38
